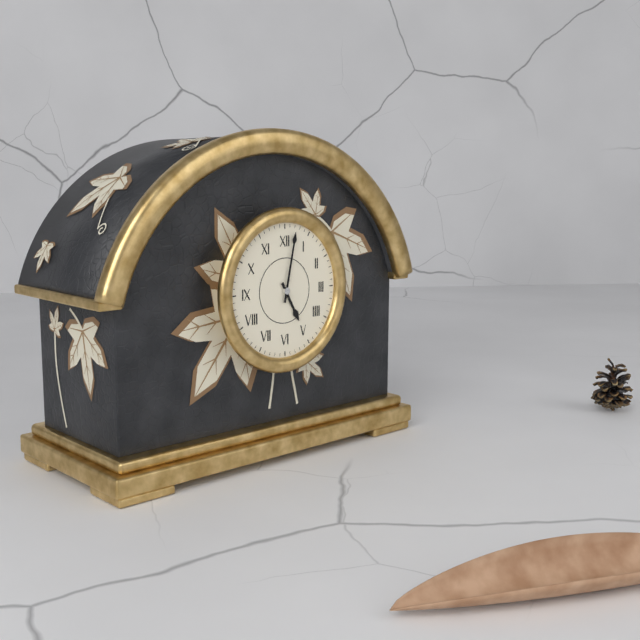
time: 5:02
